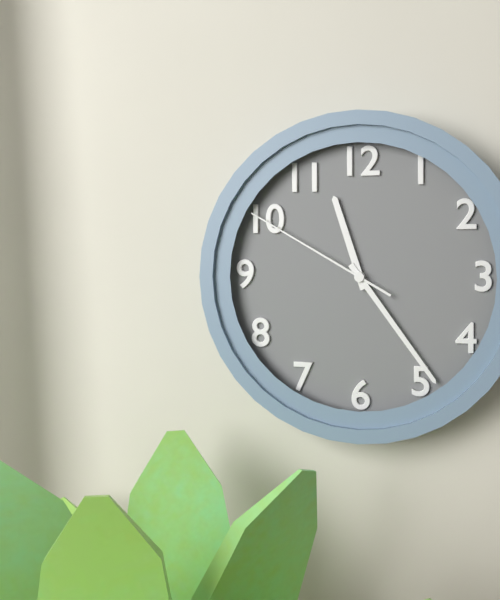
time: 11:24:50
